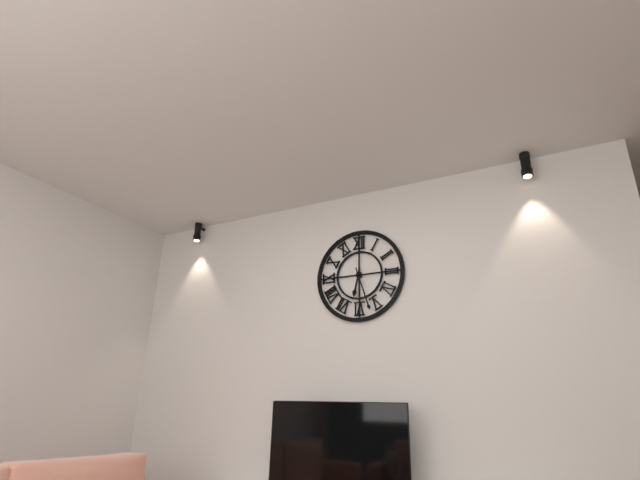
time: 6:27
